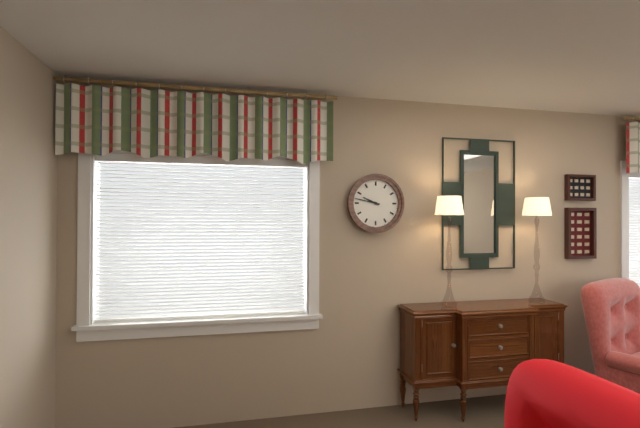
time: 9:47
